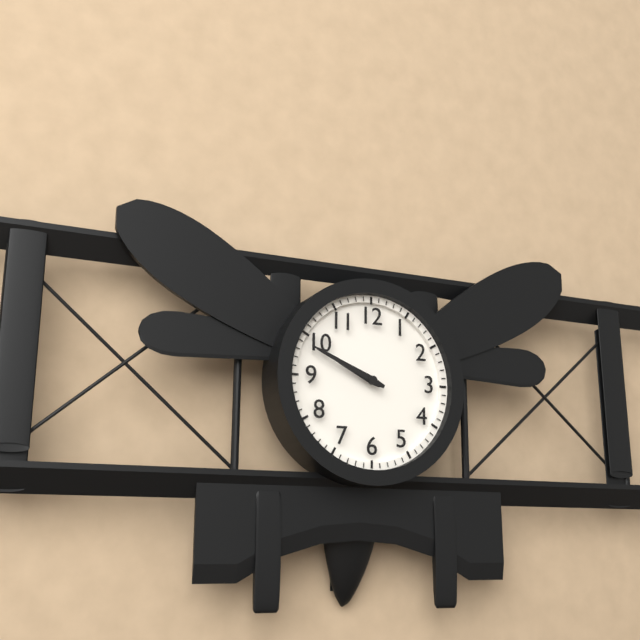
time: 9:49
